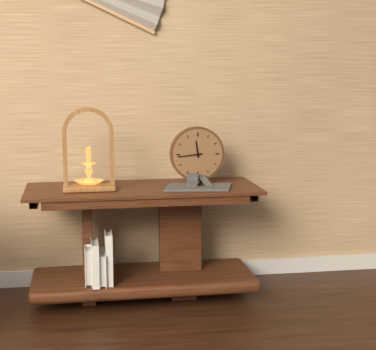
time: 11:44
